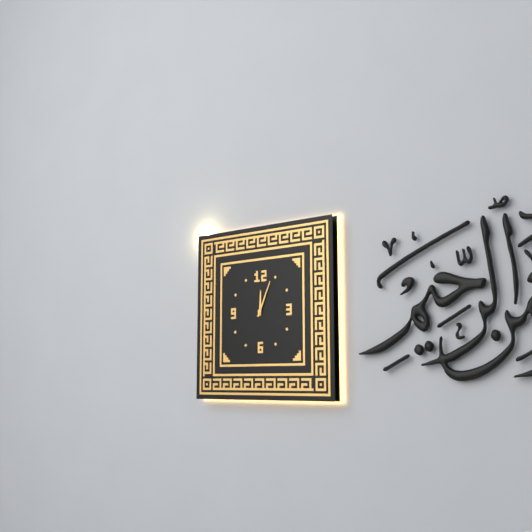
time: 12:04
